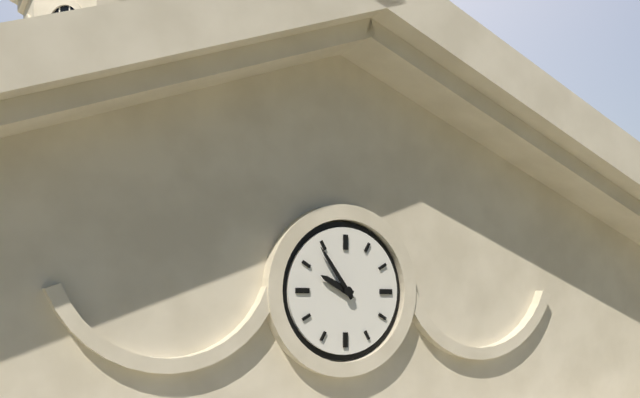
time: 9:54
